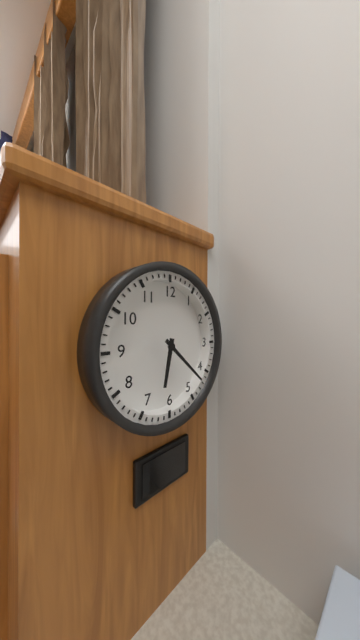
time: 6:22
